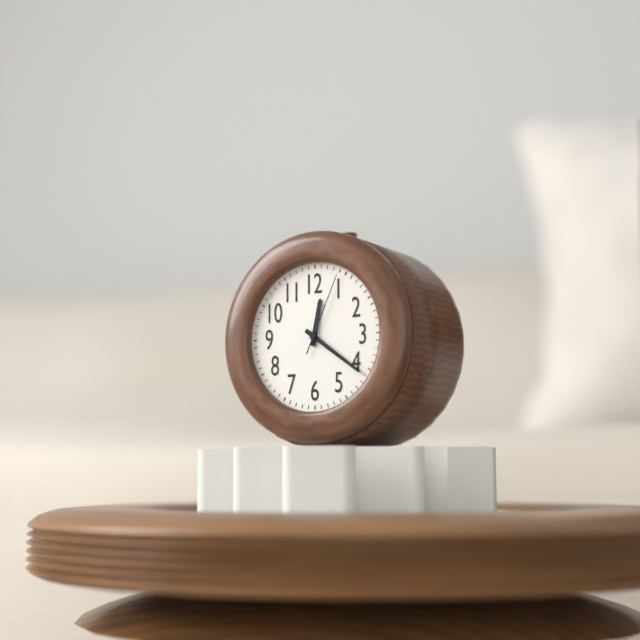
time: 12:21:04
